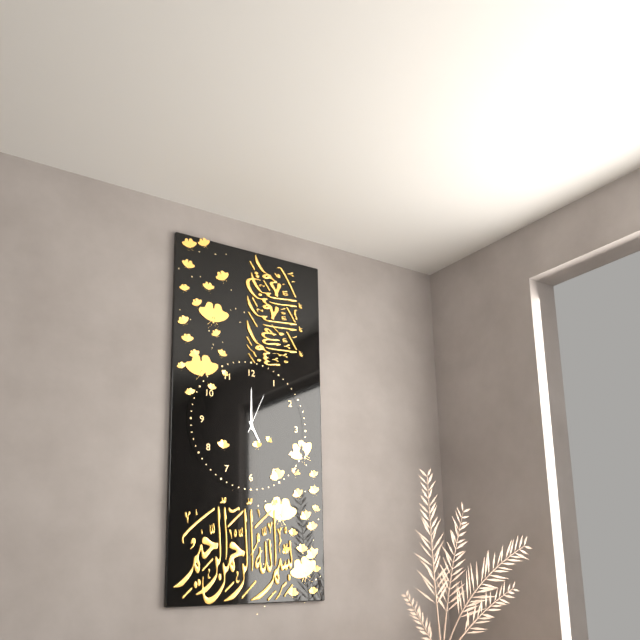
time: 5:00
